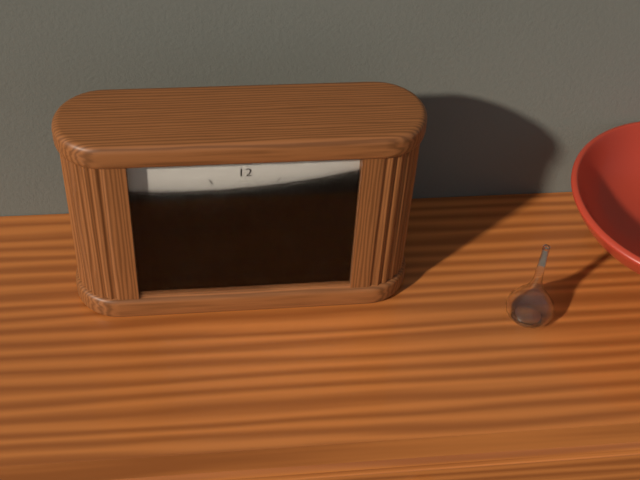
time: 11:28
